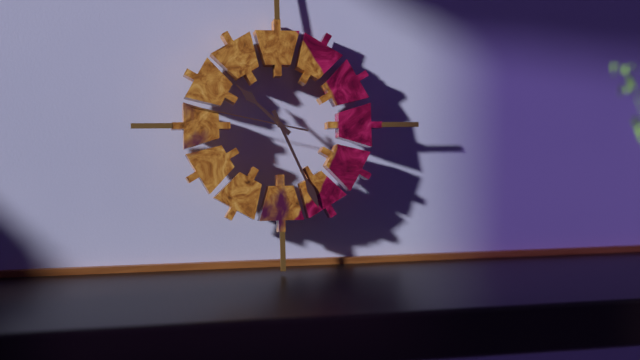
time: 10:26:47
